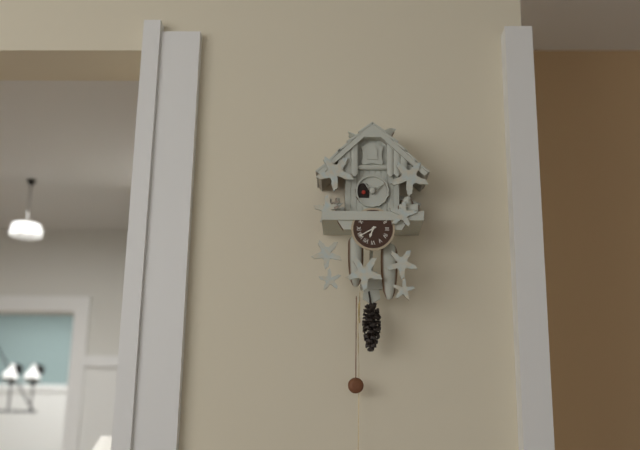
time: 6:40
